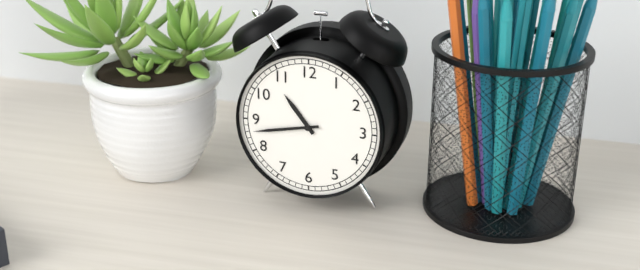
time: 10:43
